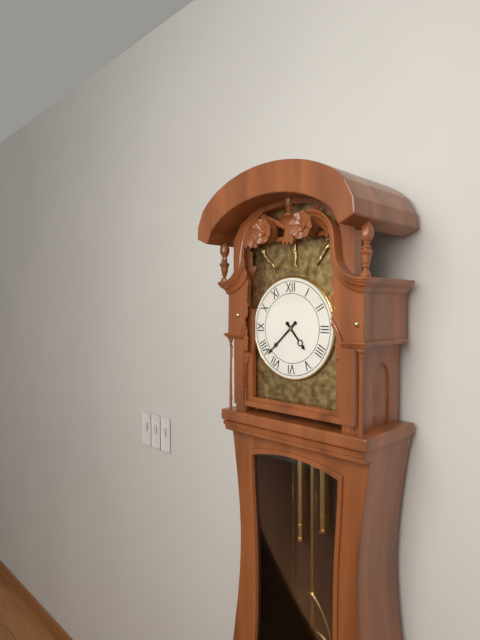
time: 4:38
